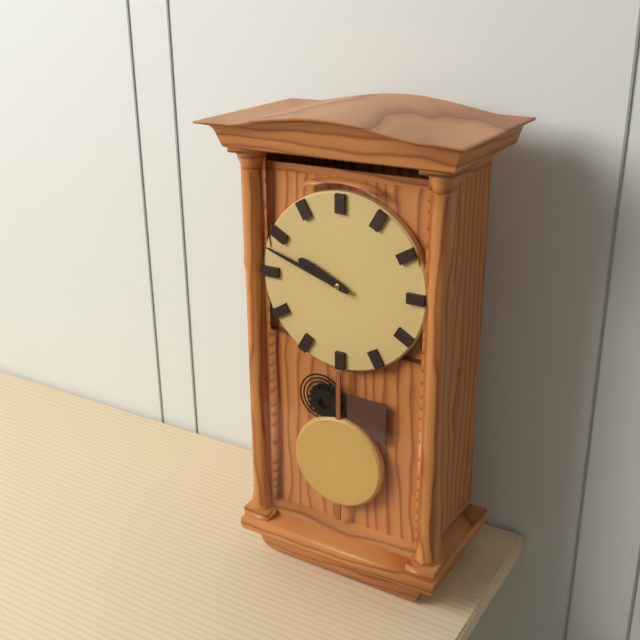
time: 9:48
